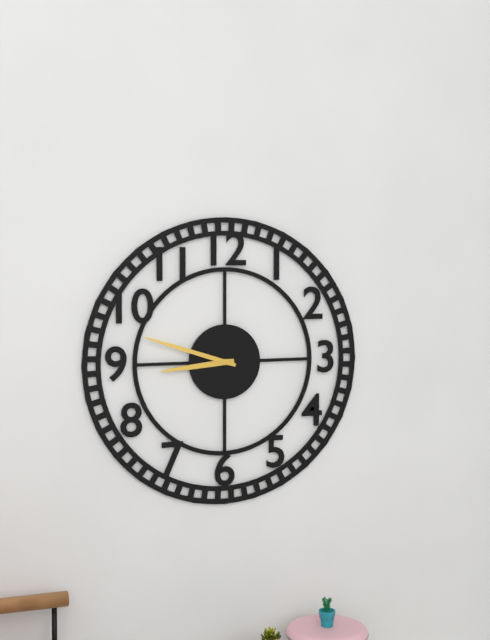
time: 8:48
